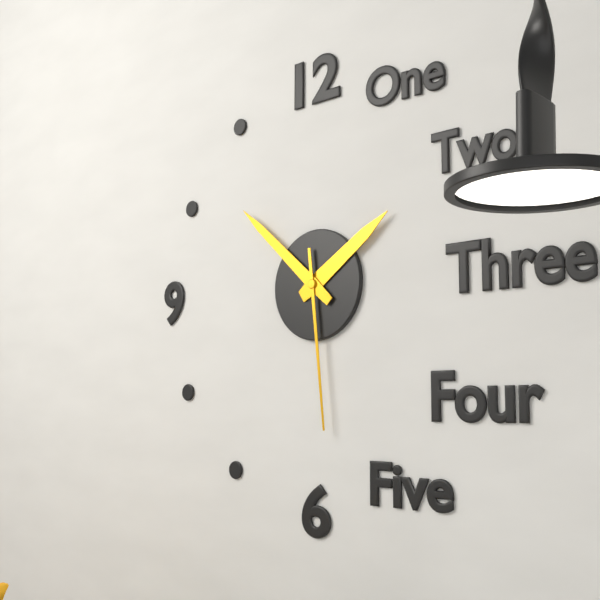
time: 1:52:29
